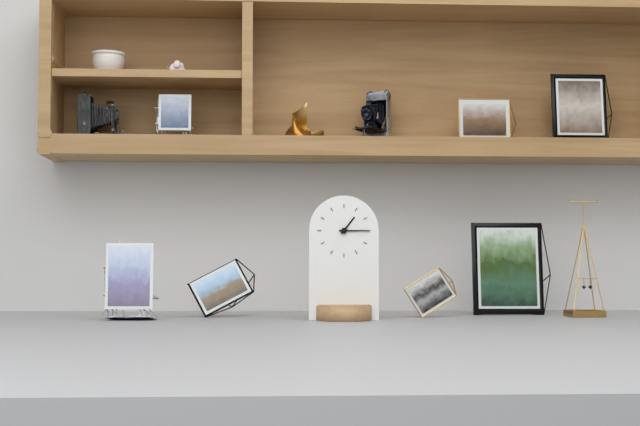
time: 1:15
